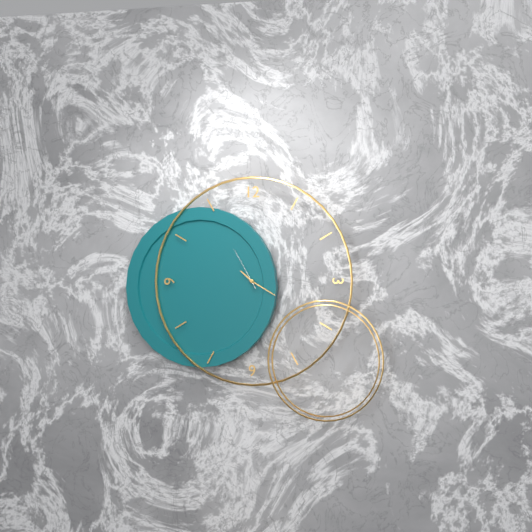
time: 10:20
